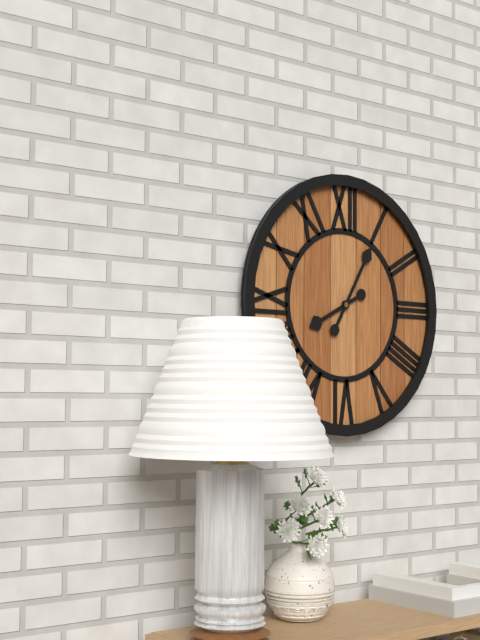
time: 8:05
